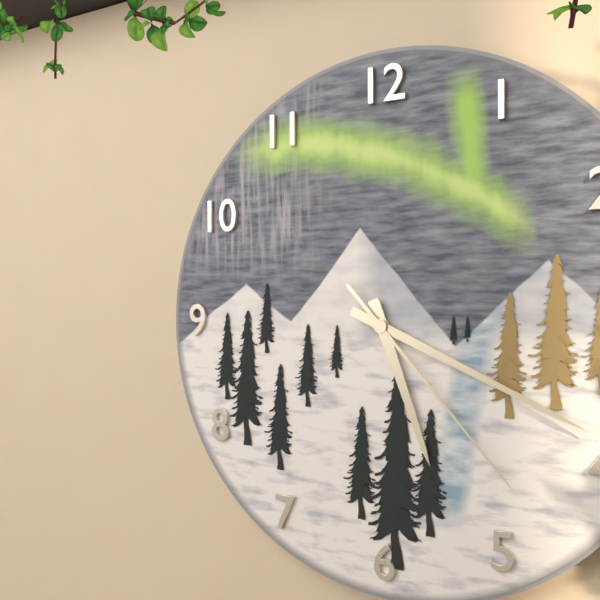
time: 5:19:23
